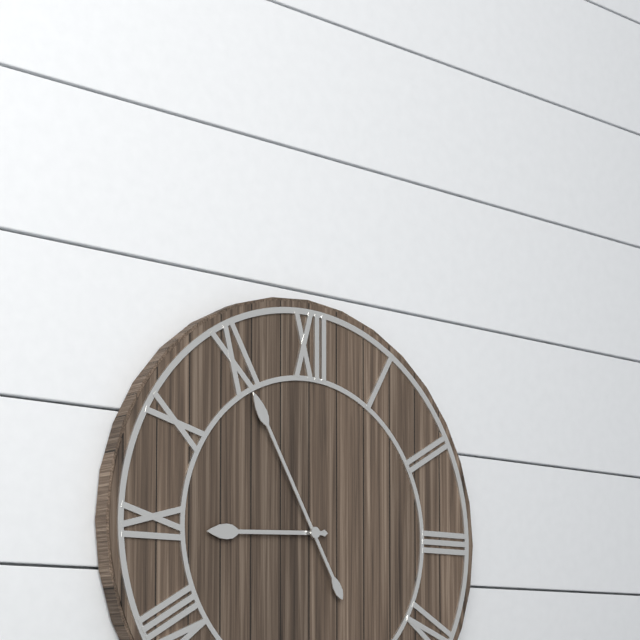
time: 8:55
